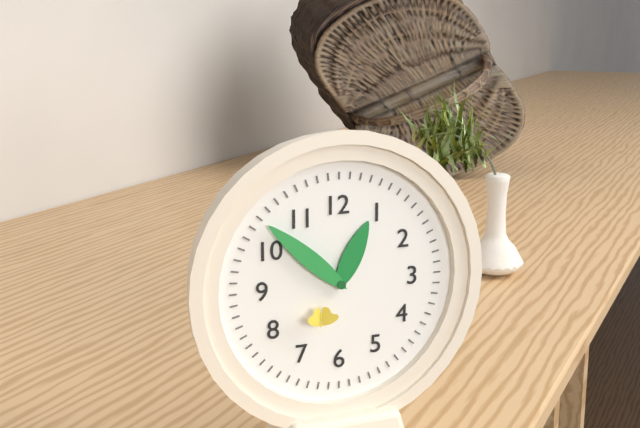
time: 12:52
